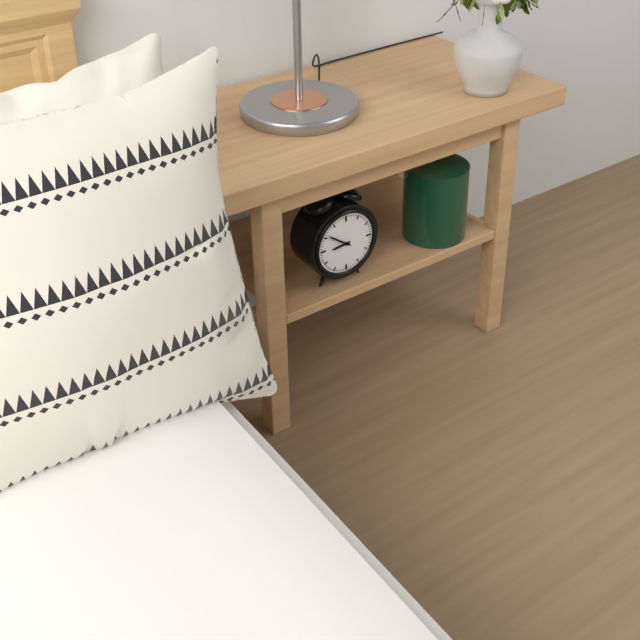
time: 8:51
